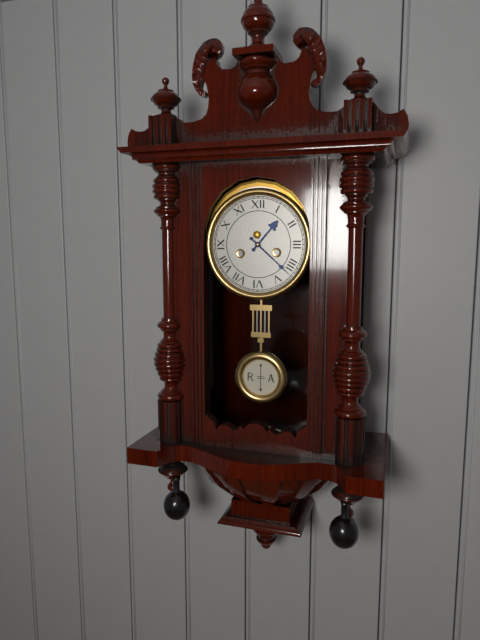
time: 1:22
